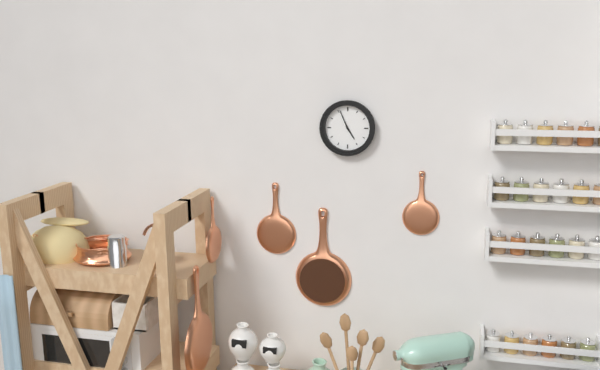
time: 4:56
